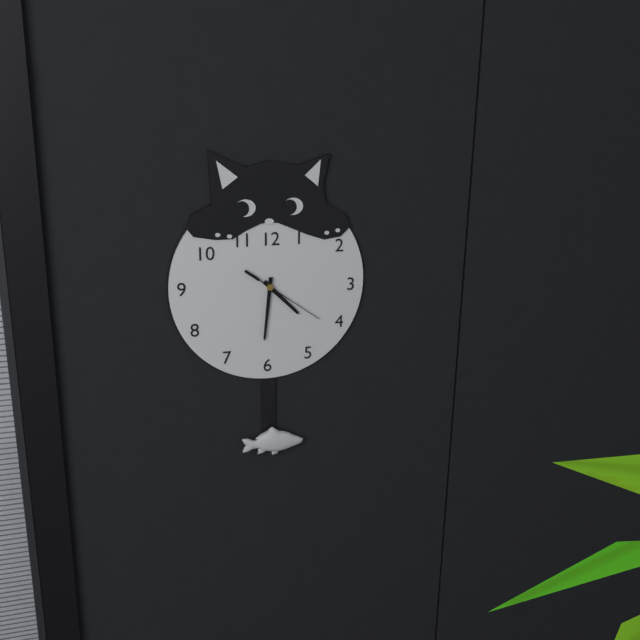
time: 4:31:21
